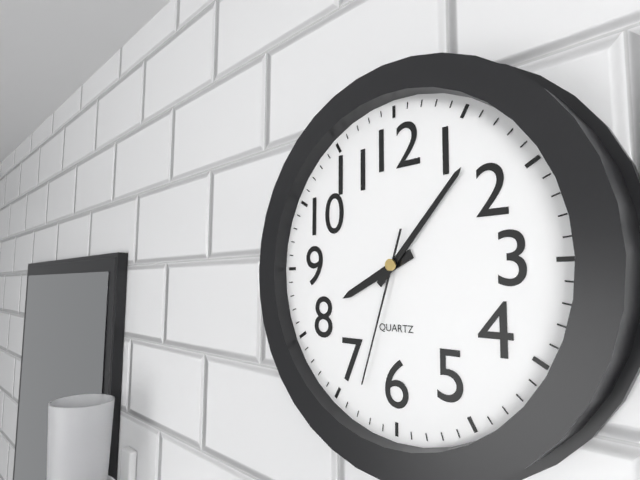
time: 8:07:33
